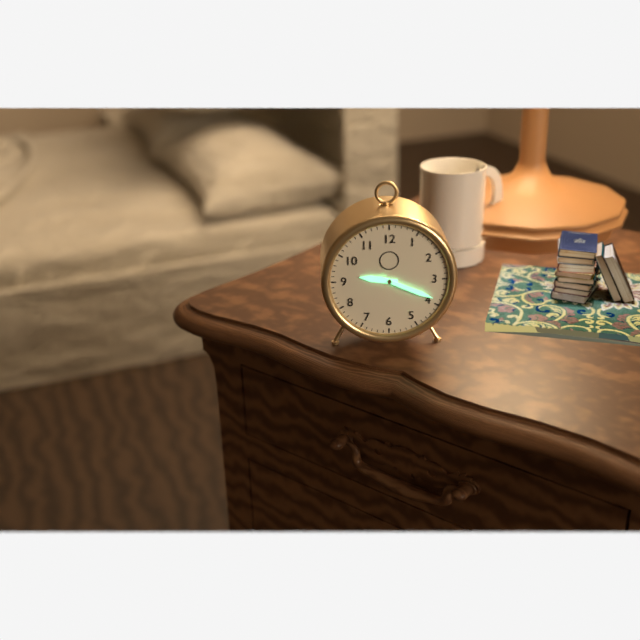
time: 9:19
